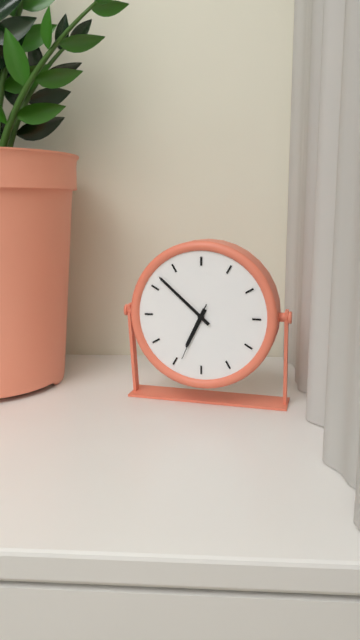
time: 6:52:34
